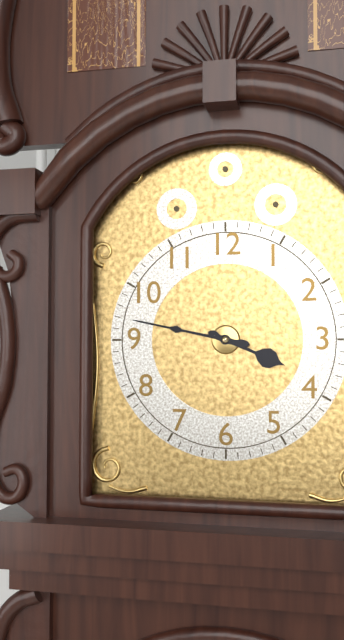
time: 3:47
